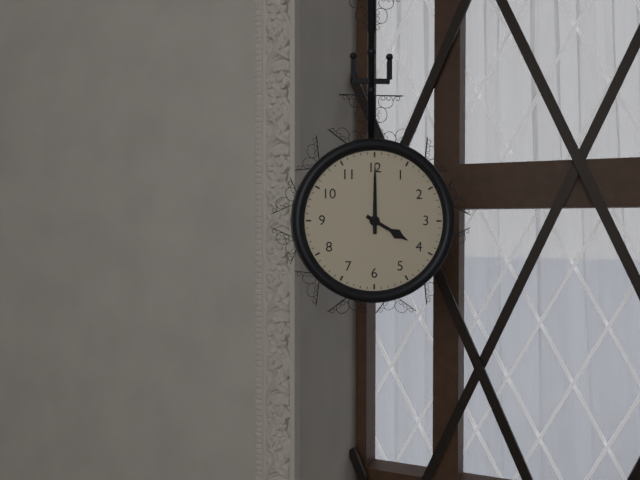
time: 4:00
